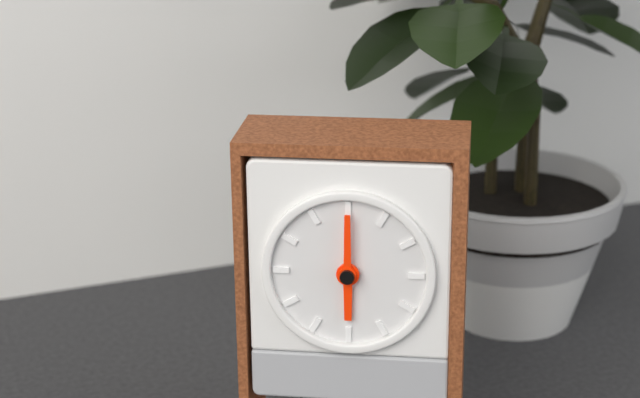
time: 6:00
